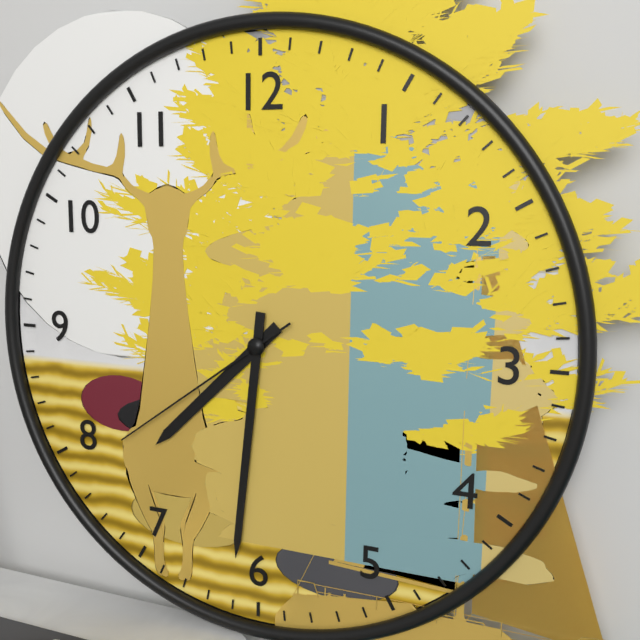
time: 7:31:39
